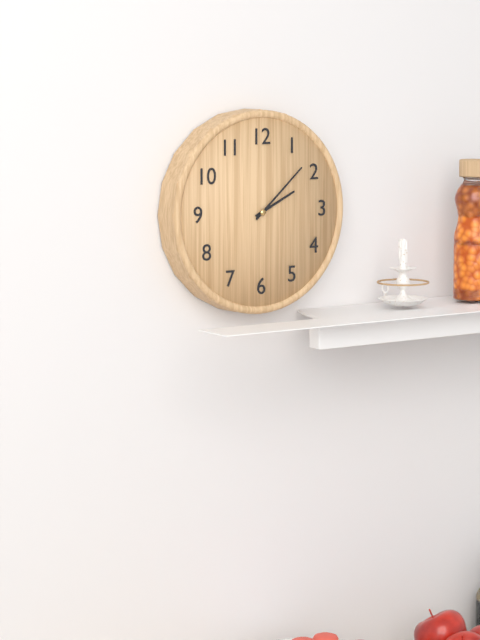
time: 2:08
